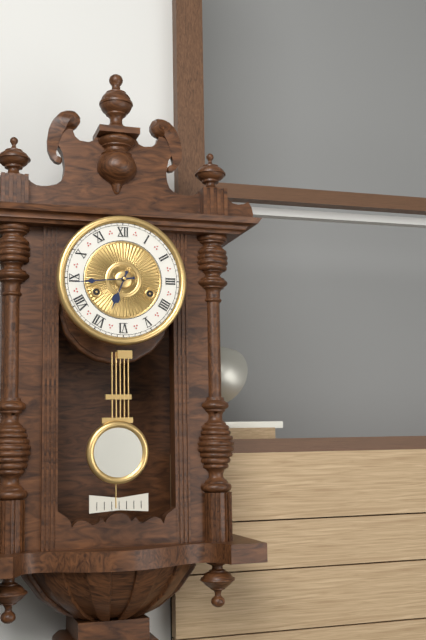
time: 6:44
